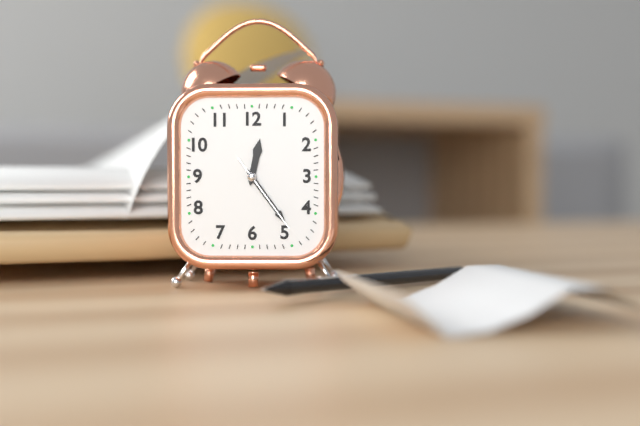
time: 12:24:24
